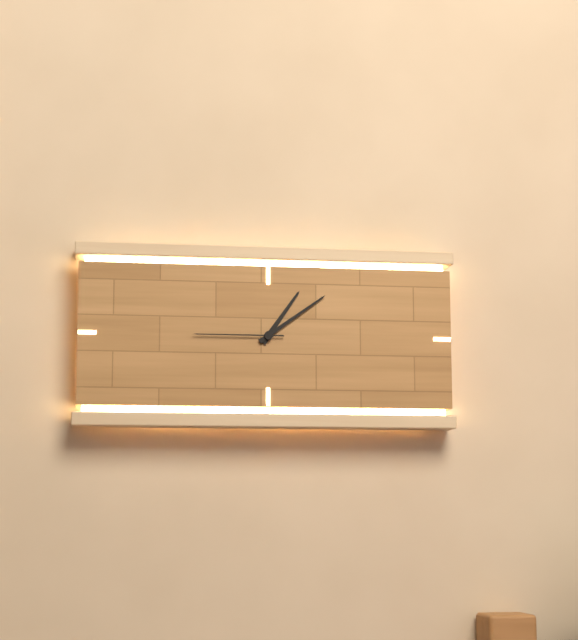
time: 1:09:45
